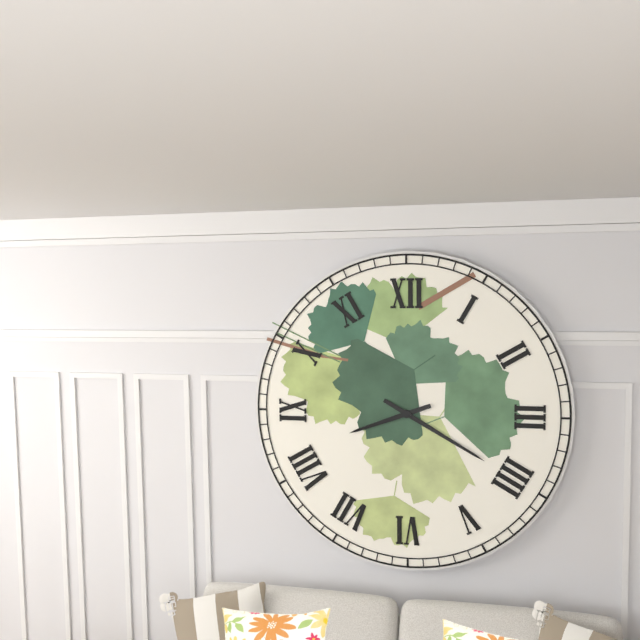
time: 8:20
